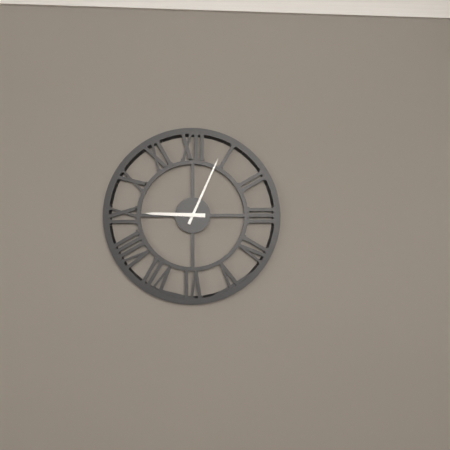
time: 9:04
